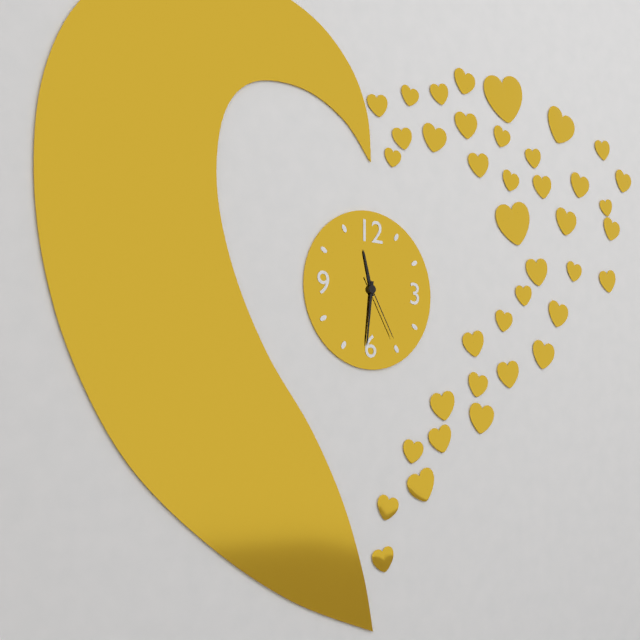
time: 11:31:25
